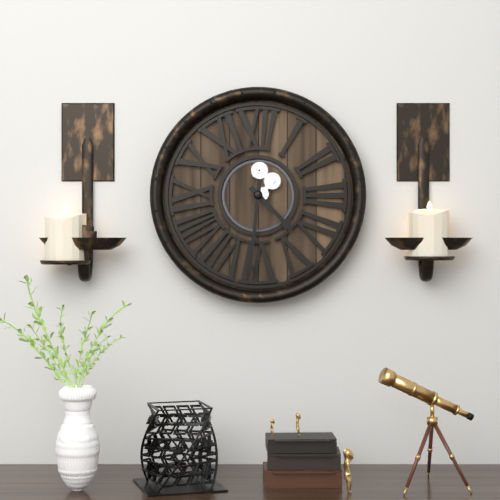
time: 4:31
